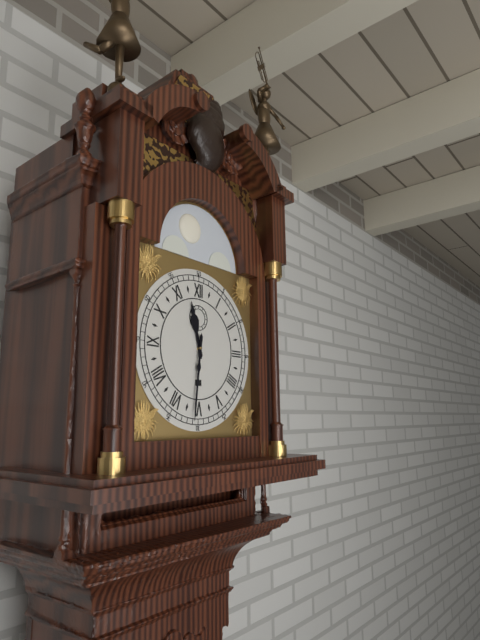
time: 11:31
